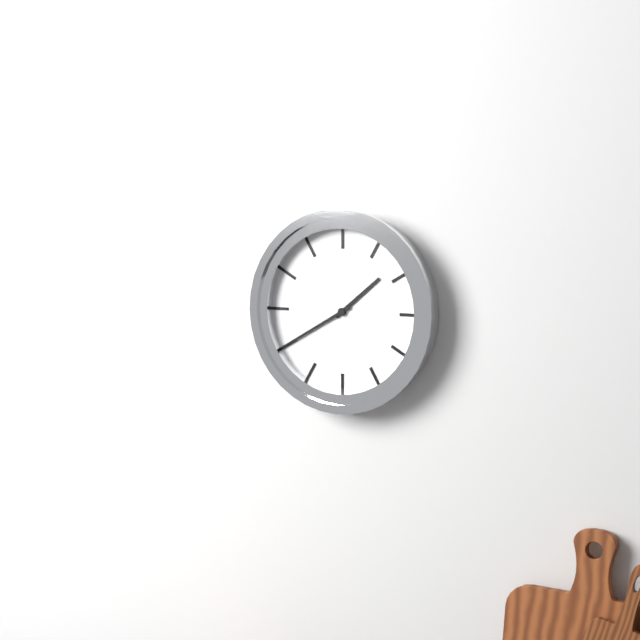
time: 1:40
